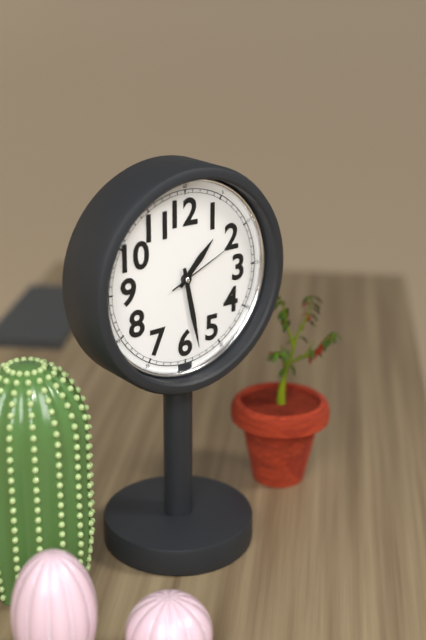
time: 1:28:11
